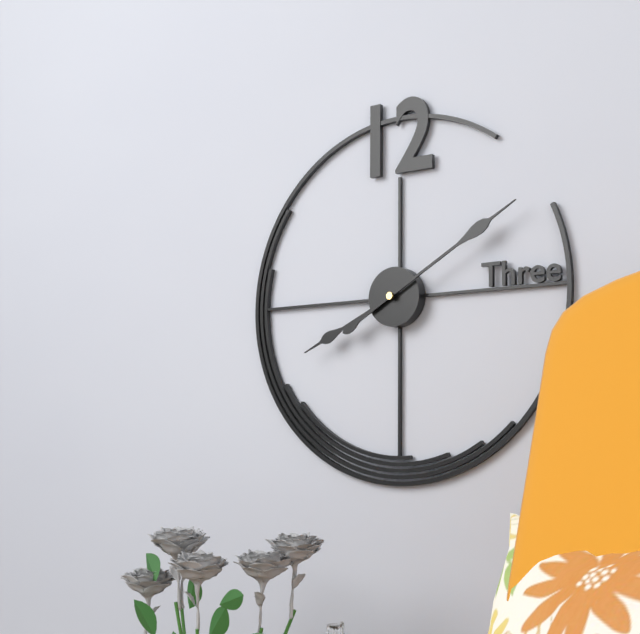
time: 8:10
